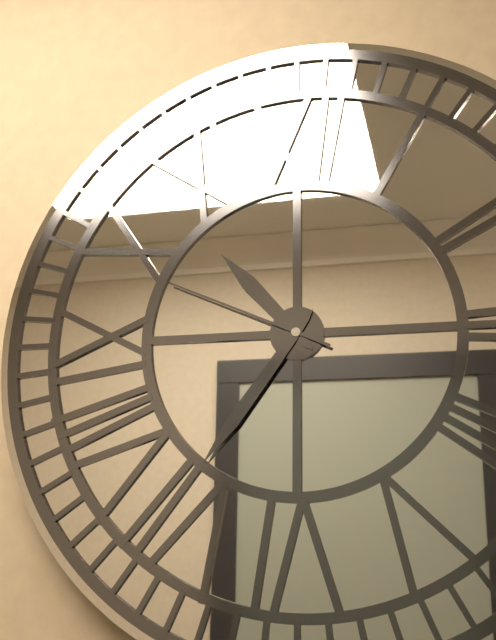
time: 10:36:49
